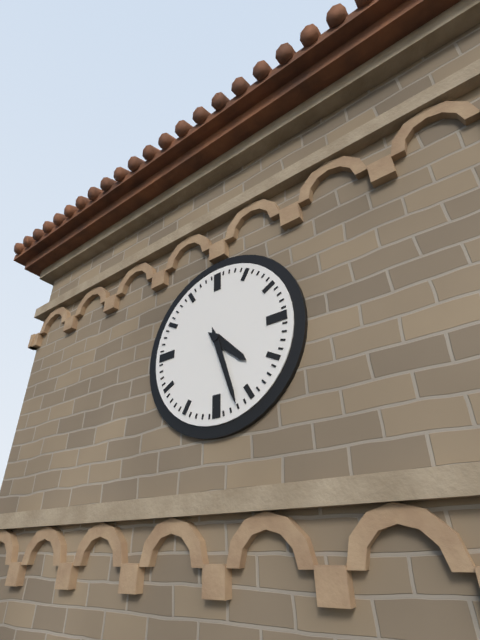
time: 4:27
